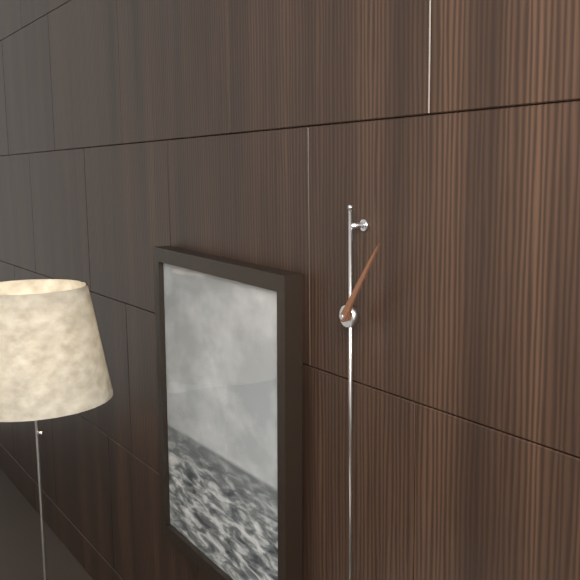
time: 1:06
